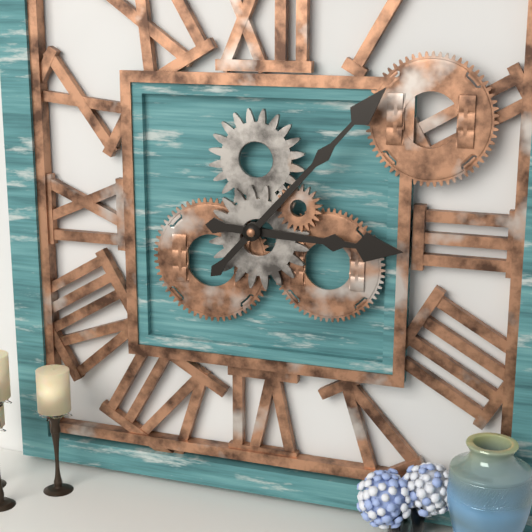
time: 3:07
